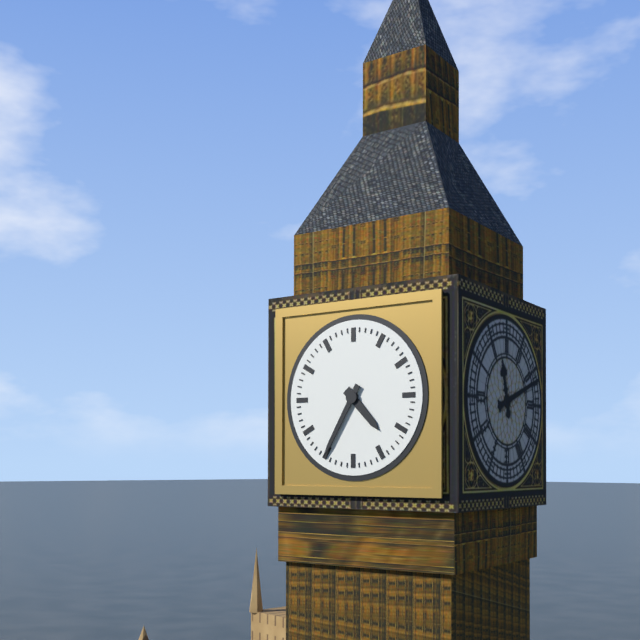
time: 4:35
